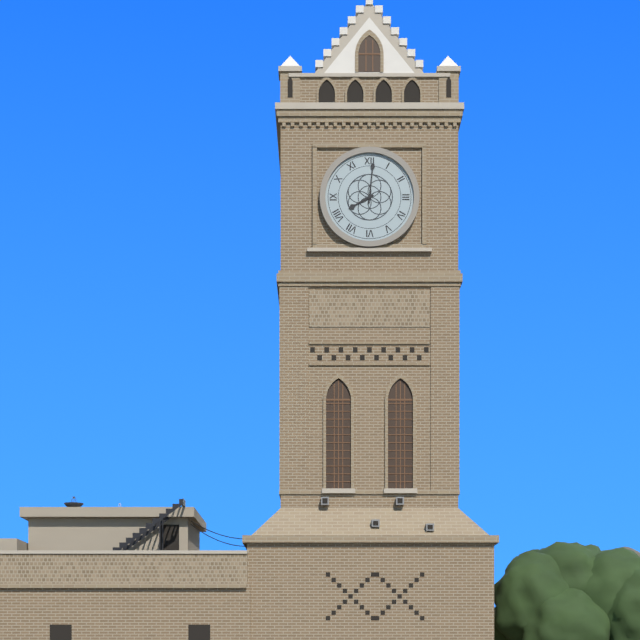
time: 8:01
